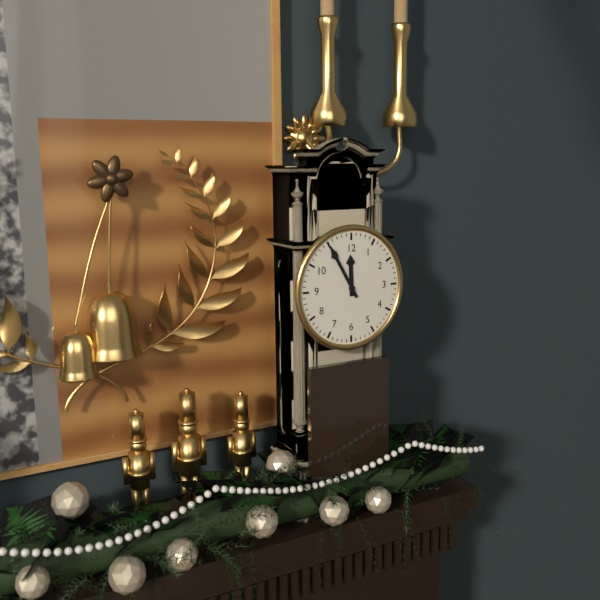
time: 11:55
